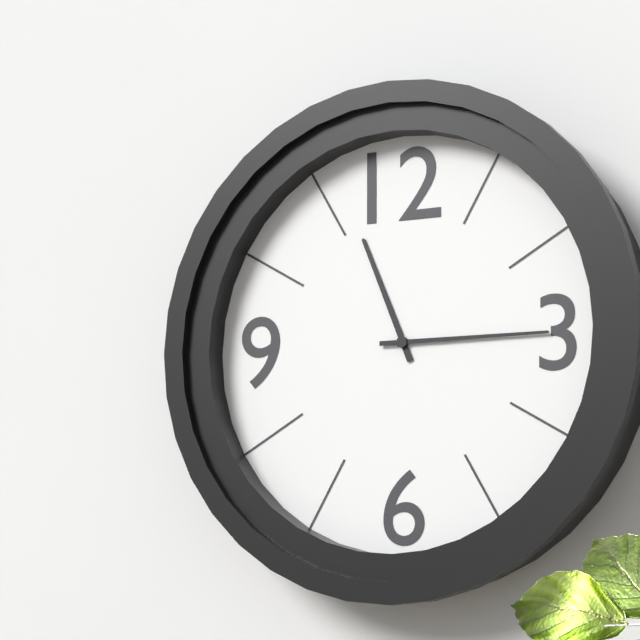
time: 11:15
